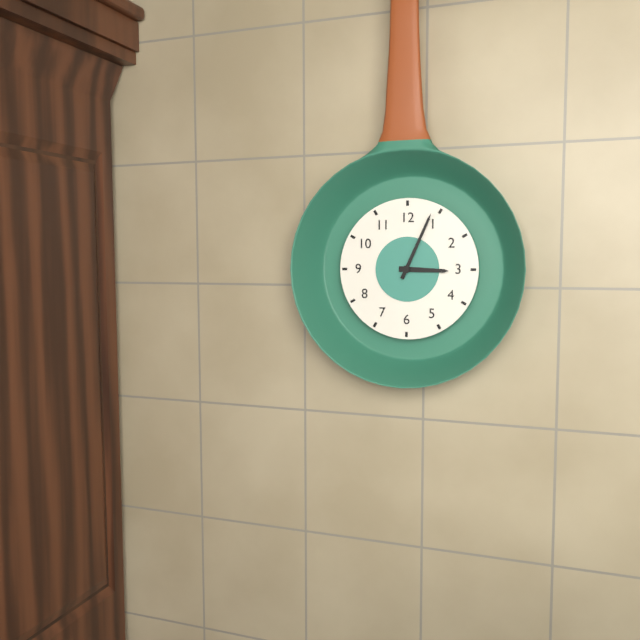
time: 3:04
